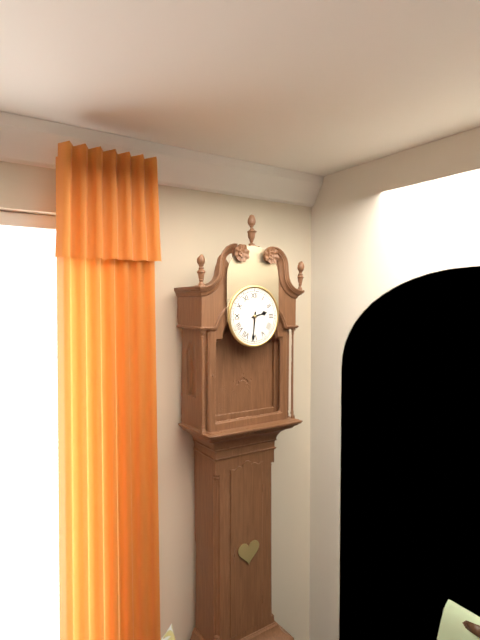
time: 2:31
